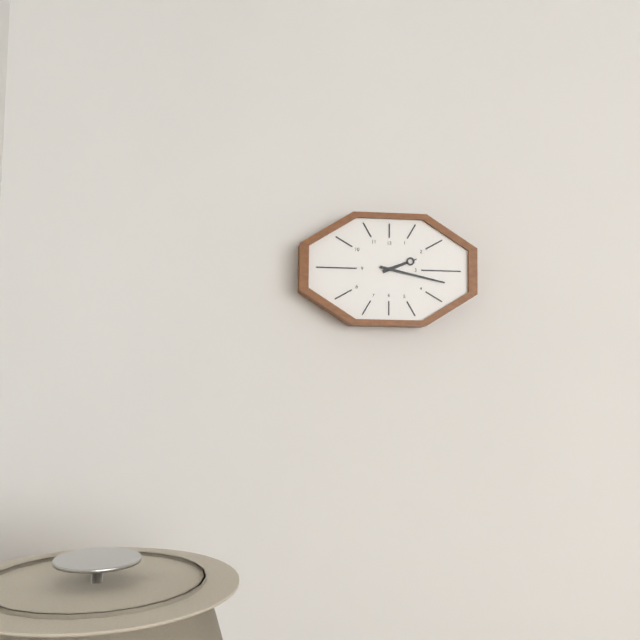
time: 2:17
